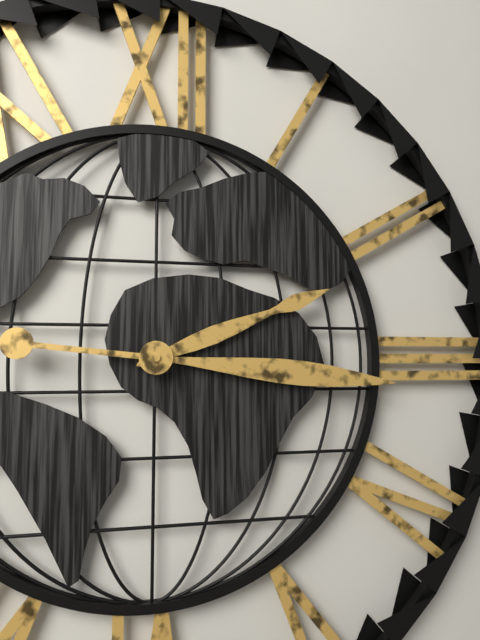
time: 2:16
